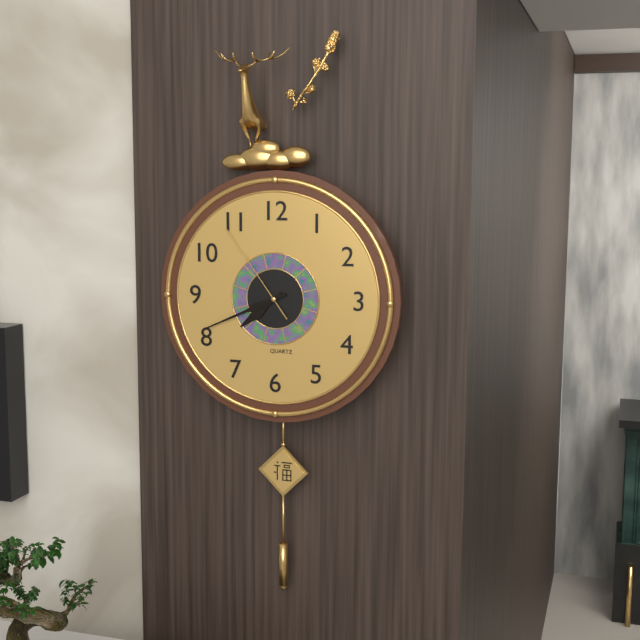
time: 7:41:54
